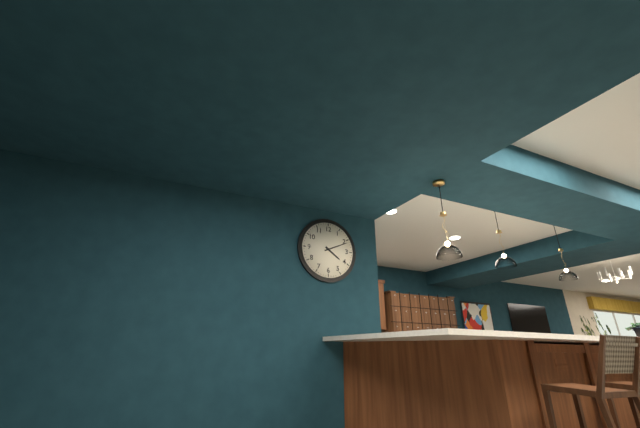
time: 4:11
